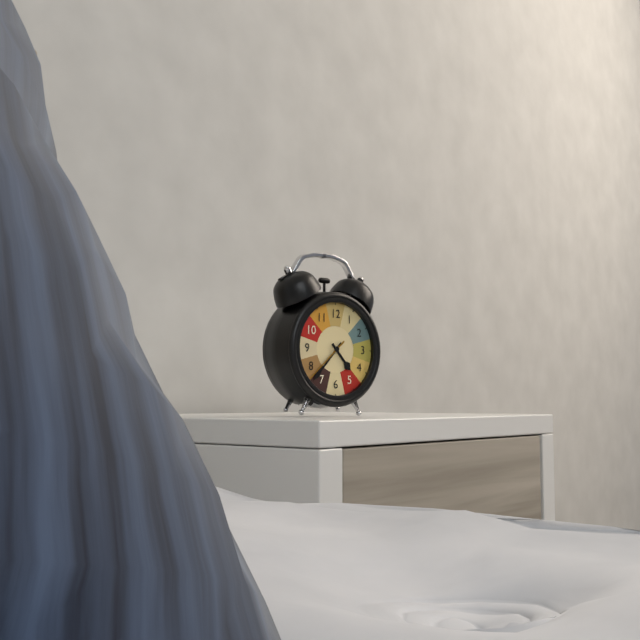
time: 4:37:38
